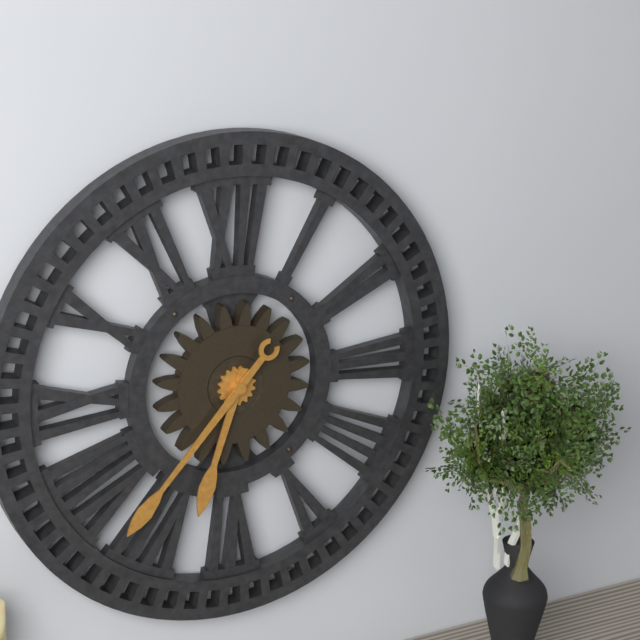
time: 6:37
